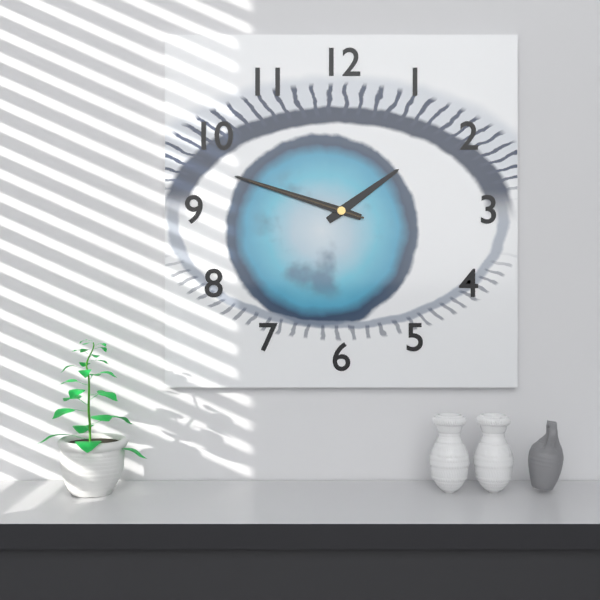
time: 1:48:48
